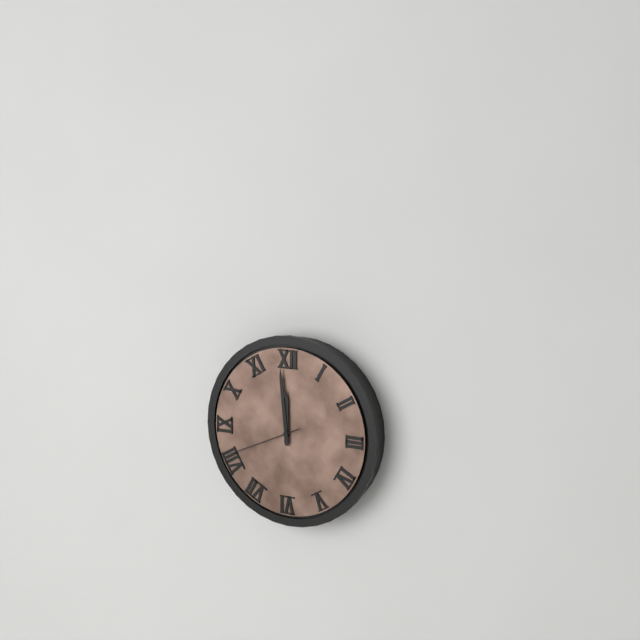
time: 11:59:41
